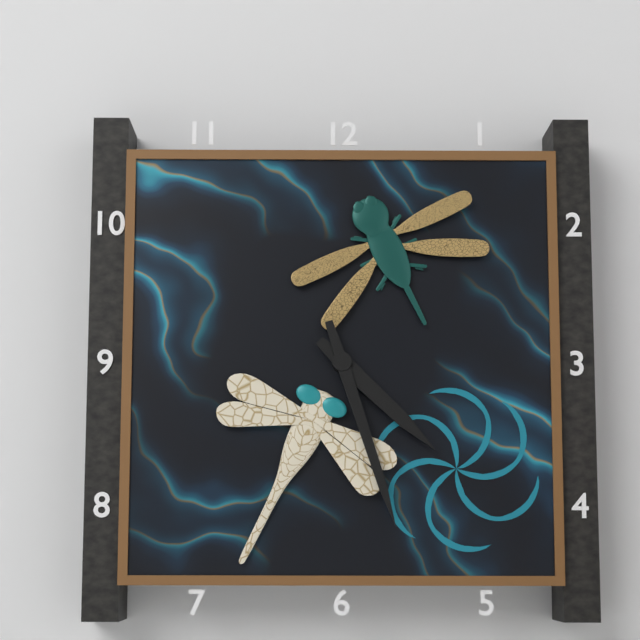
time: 4:27
